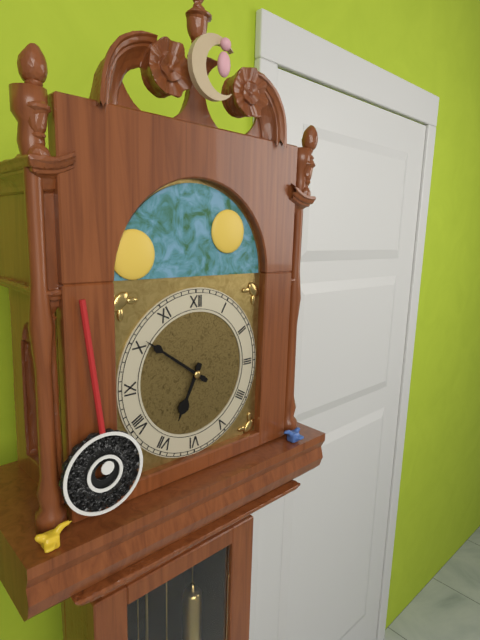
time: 6:51
